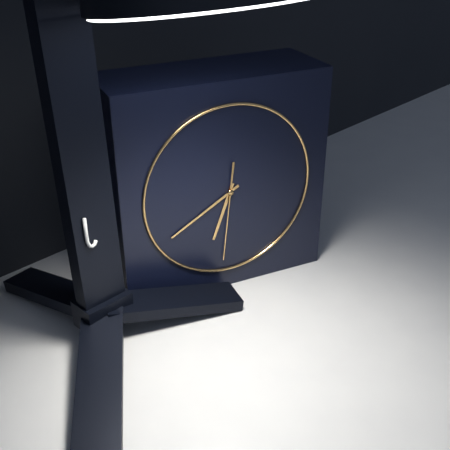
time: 6:40:31
